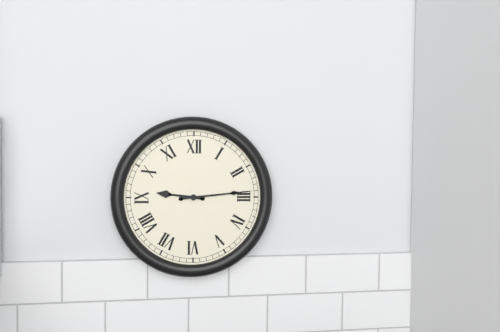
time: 9:14
